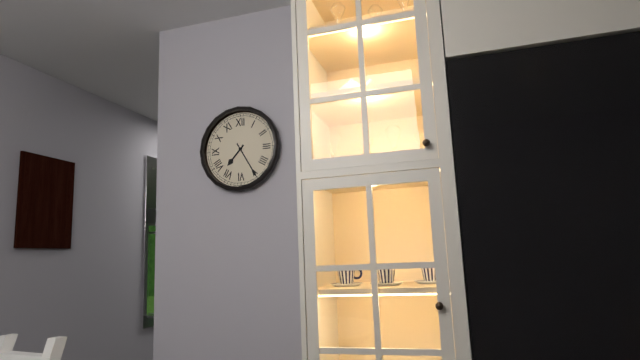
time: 7:25
